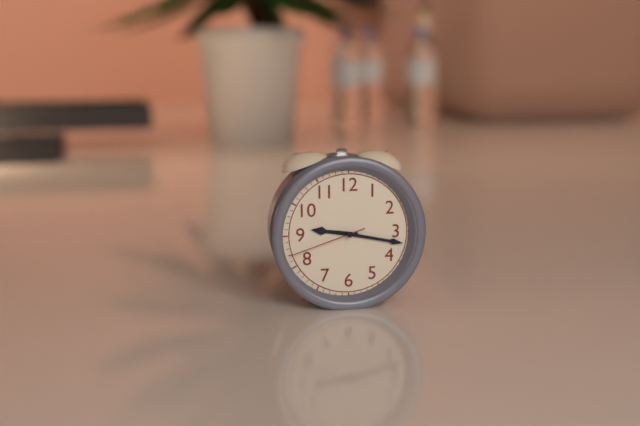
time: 9:17:42
